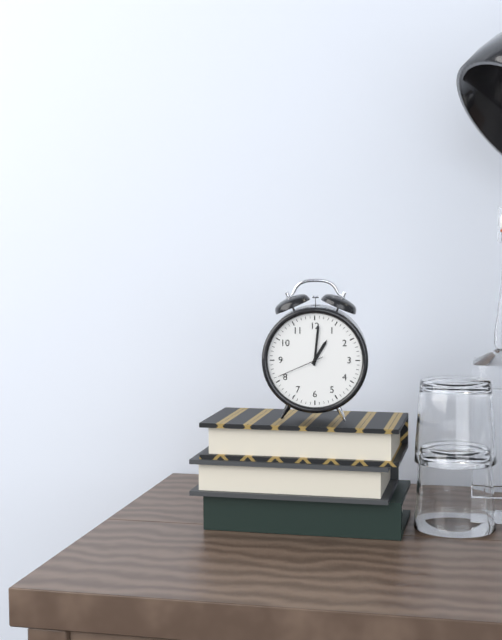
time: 1:01
